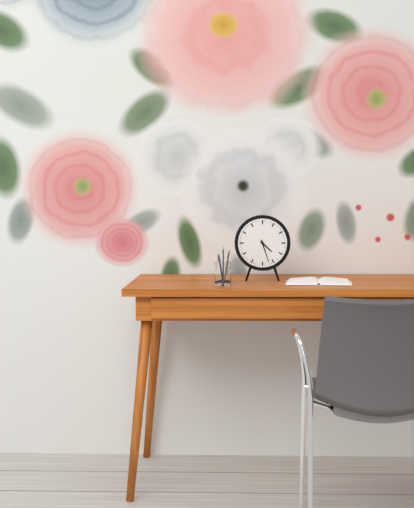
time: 4:27
